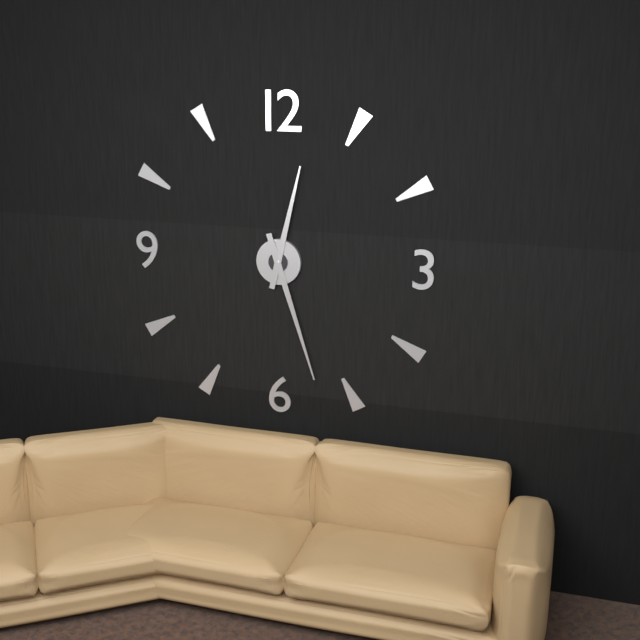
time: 12:27
